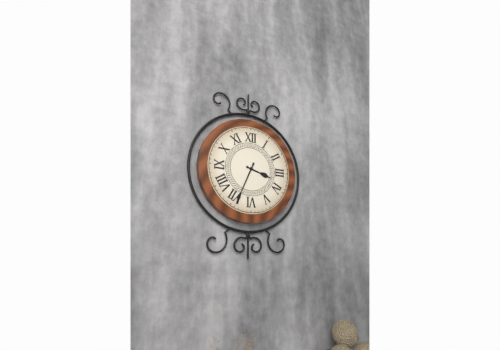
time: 3:34
